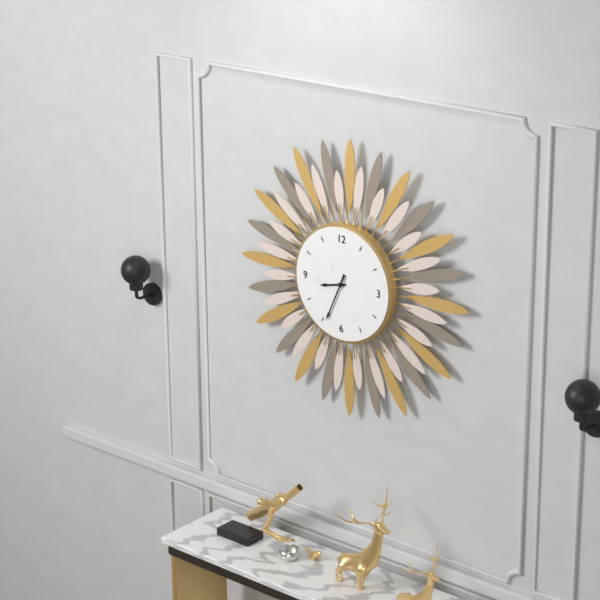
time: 8:34
